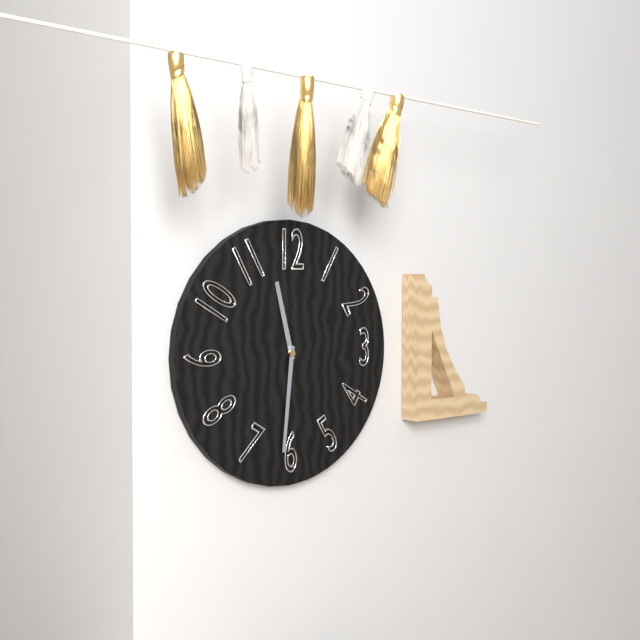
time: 11:31
